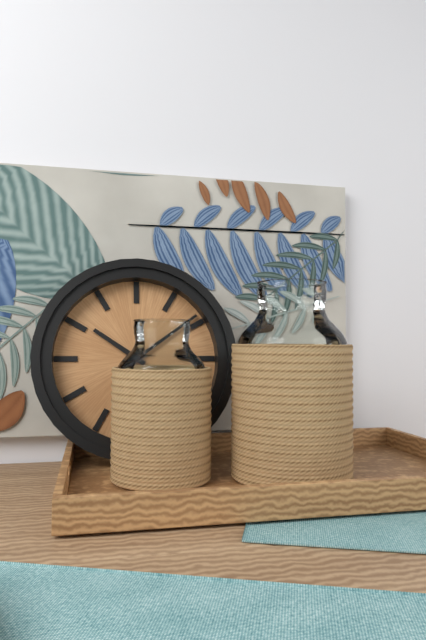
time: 10:09
